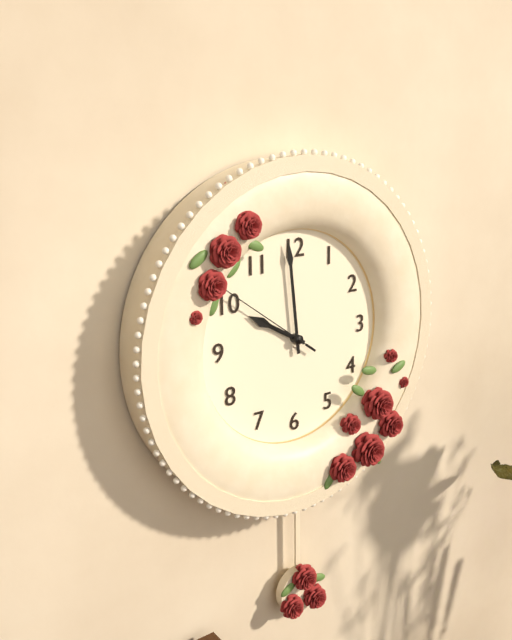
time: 9:59:51
